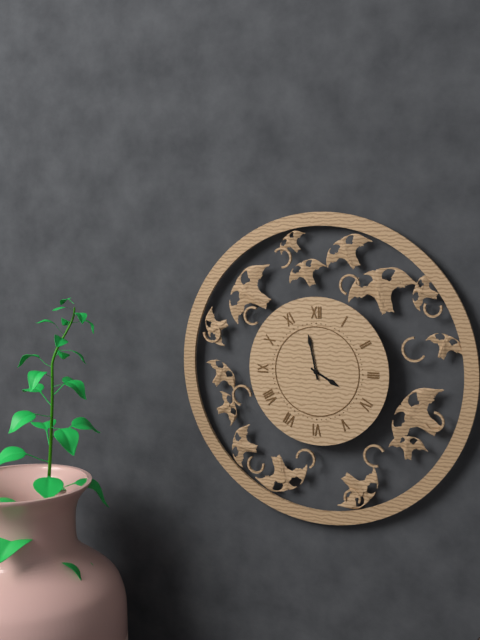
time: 3:58
